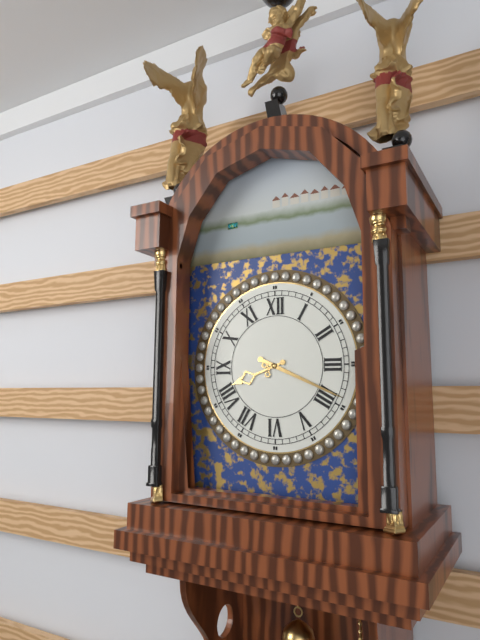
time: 8:19
